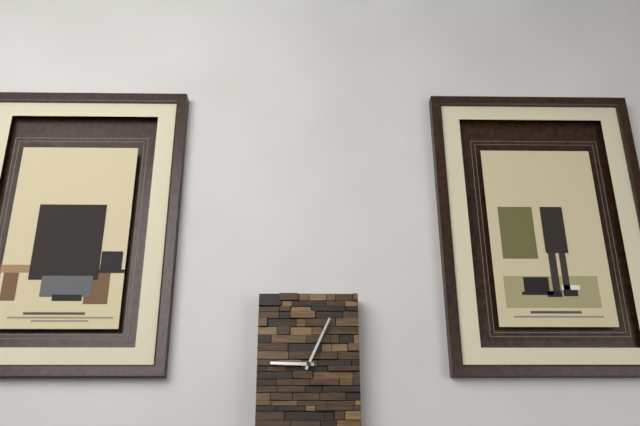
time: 9:04
